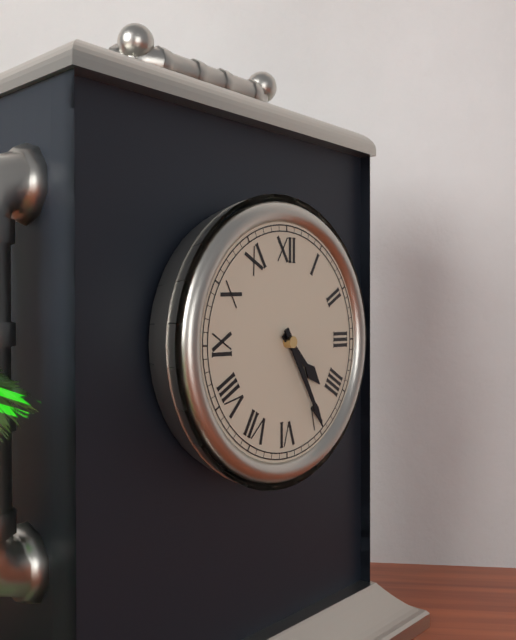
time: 4:25
